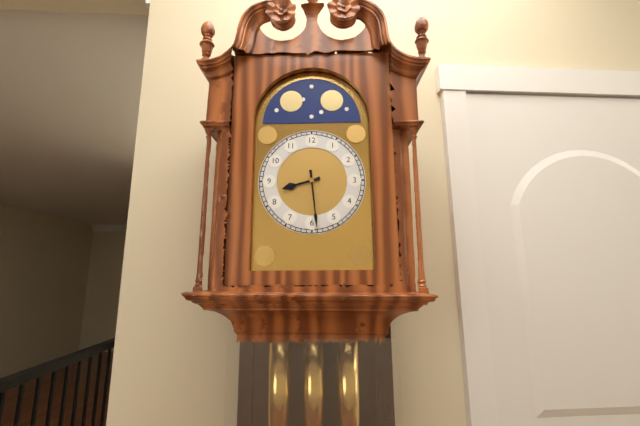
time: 8:29
